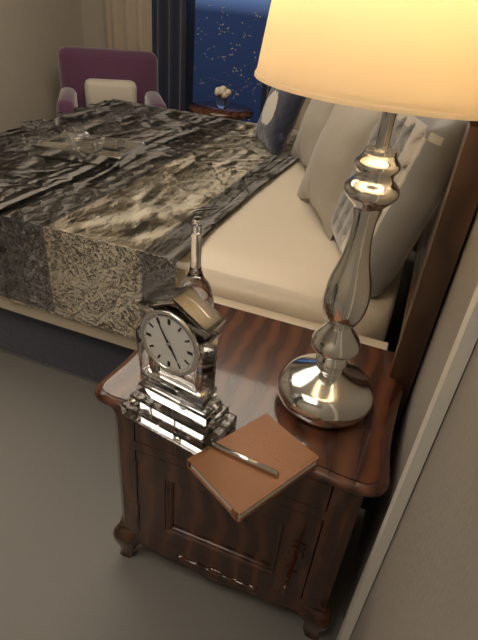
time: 4:55
